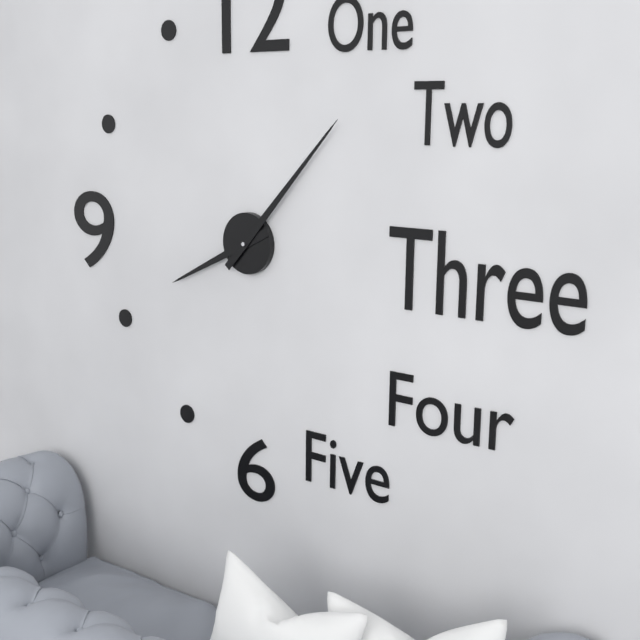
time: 8:07
